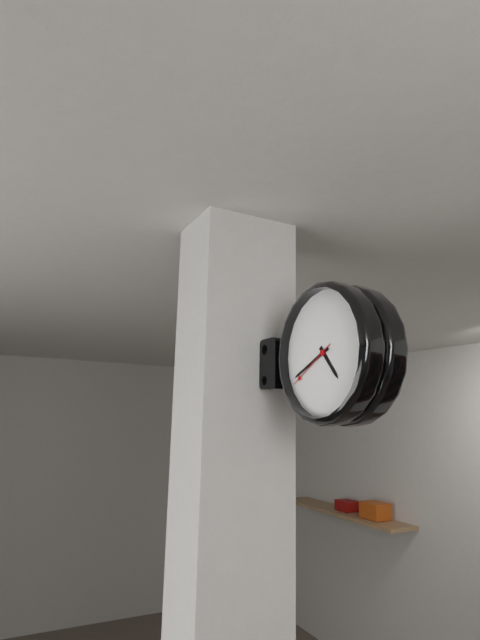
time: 4:41:40
